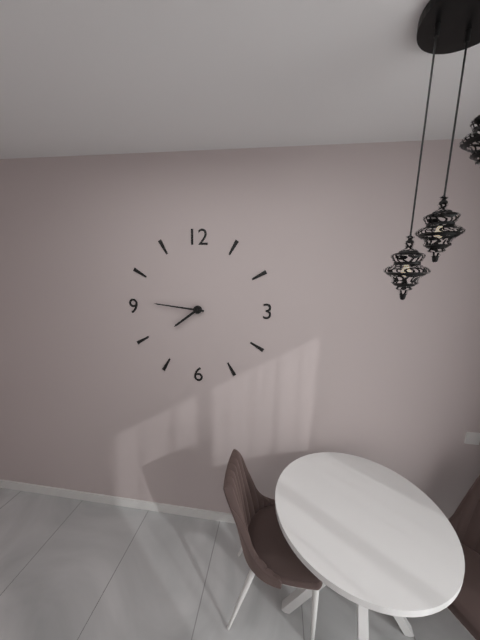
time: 7:46
